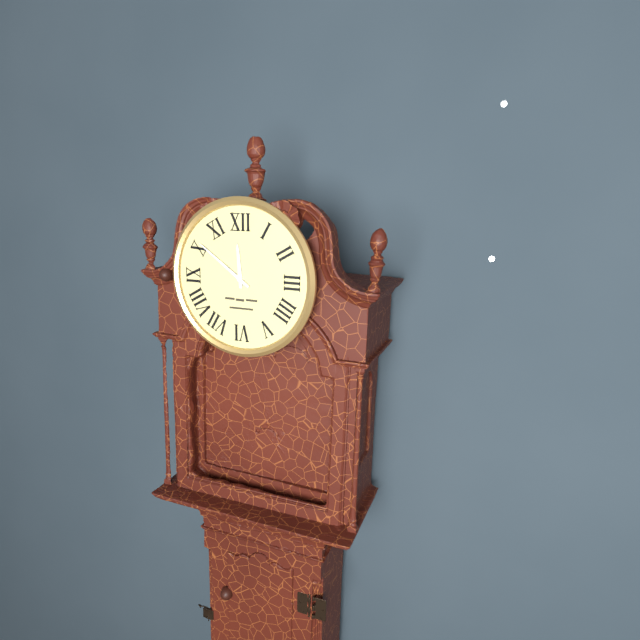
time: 11:51
